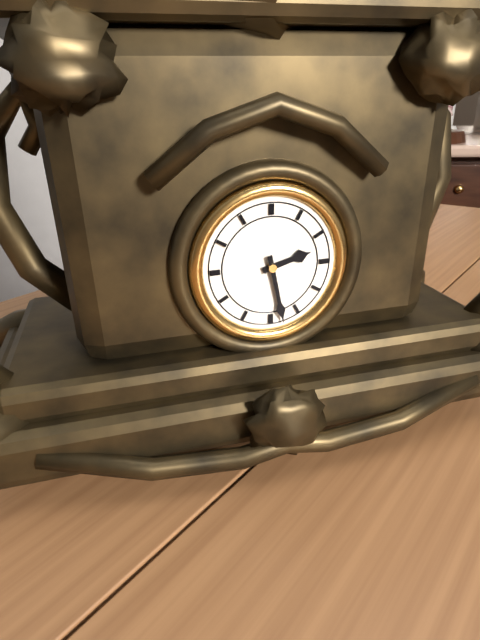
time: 2:28
